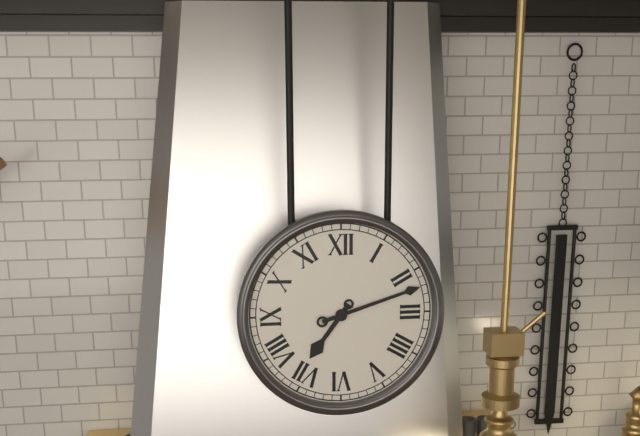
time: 7:12
